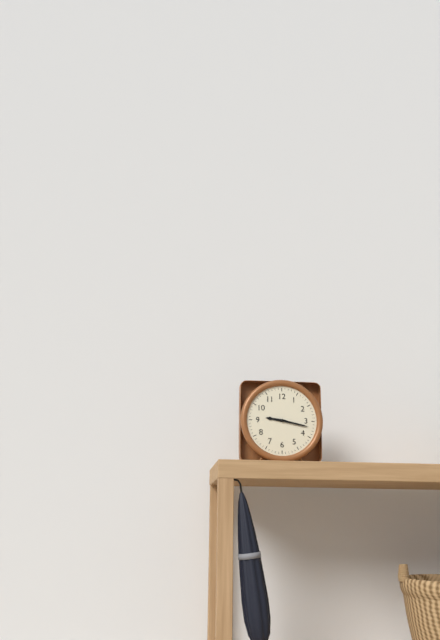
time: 9:17
